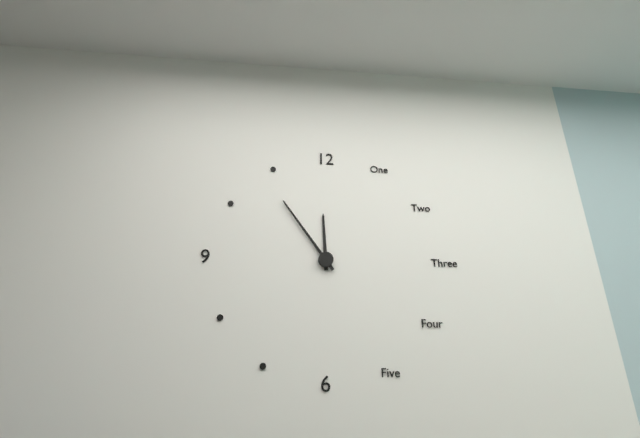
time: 11:54
